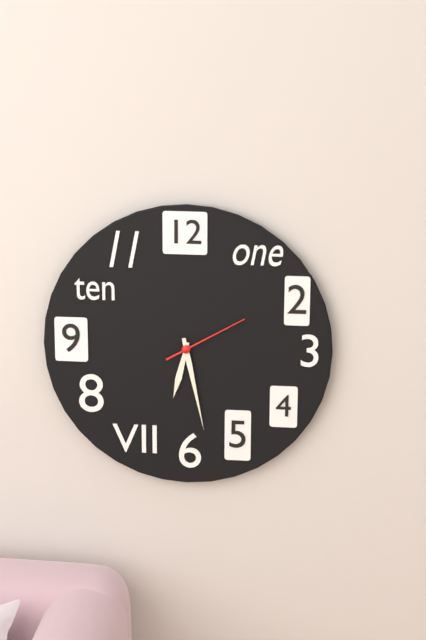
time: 6:28:10
